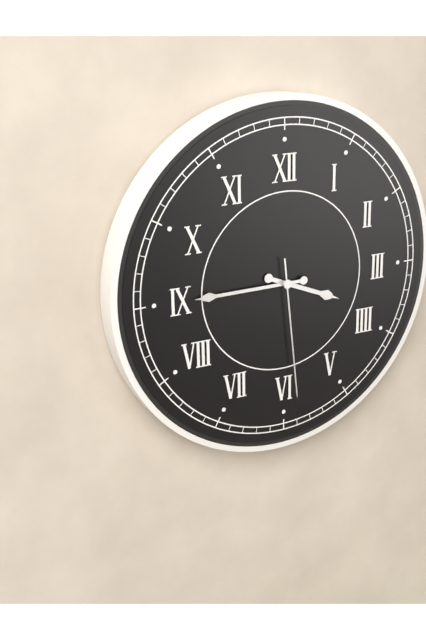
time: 3:45:29
